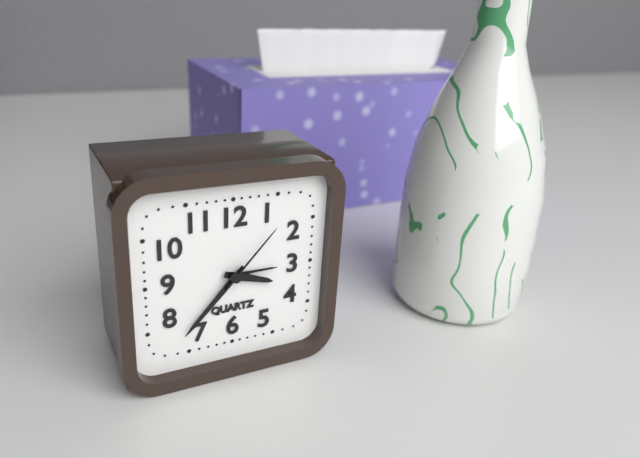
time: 3:37:07
